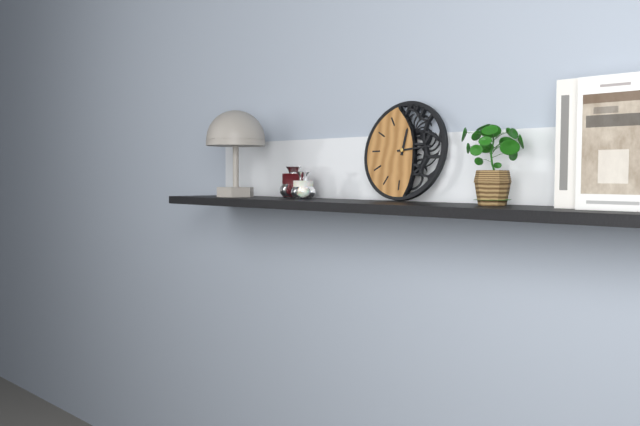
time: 12:14
